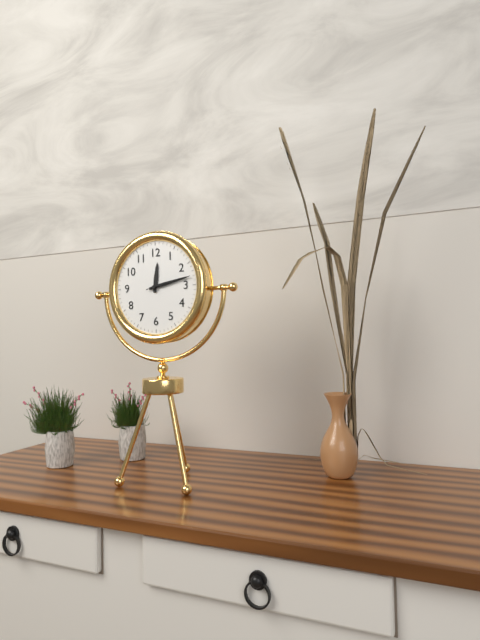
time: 12:13
